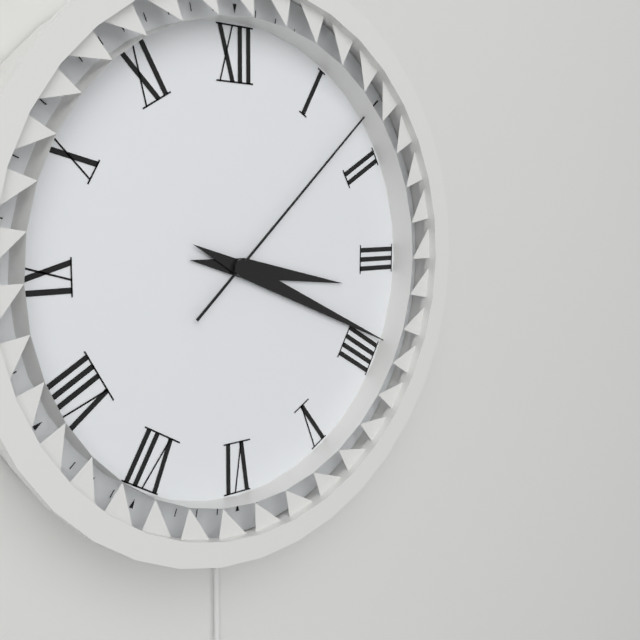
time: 3:19:08
